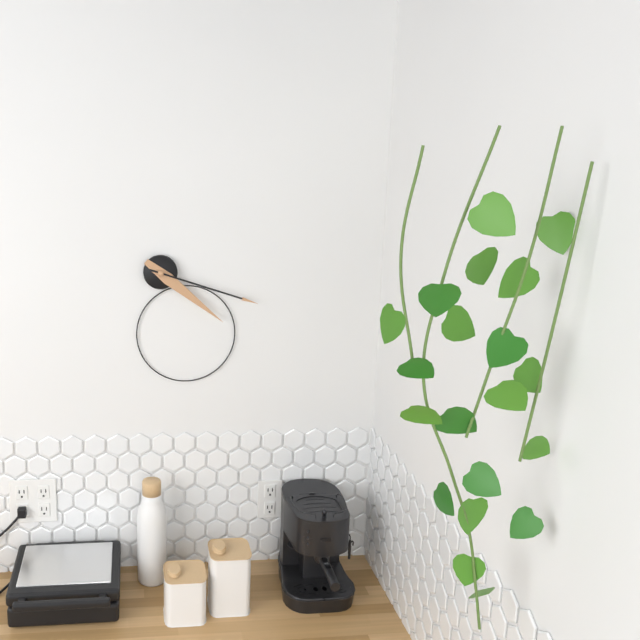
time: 4:18
